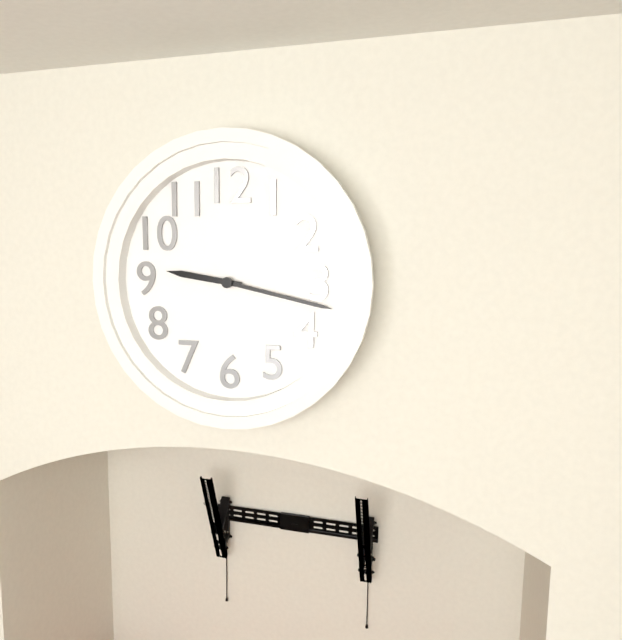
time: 9:17
